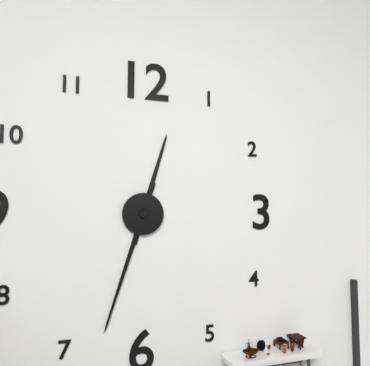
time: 12:33
